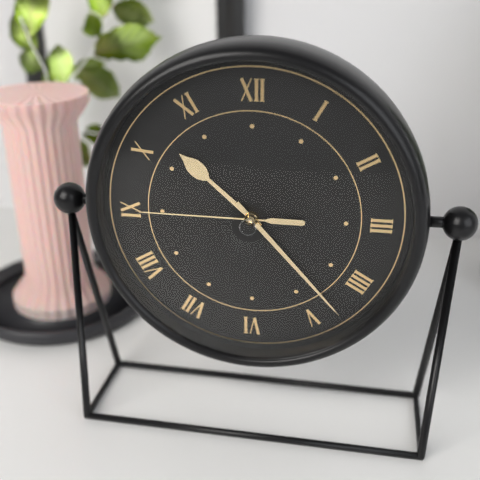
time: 10:23:45
